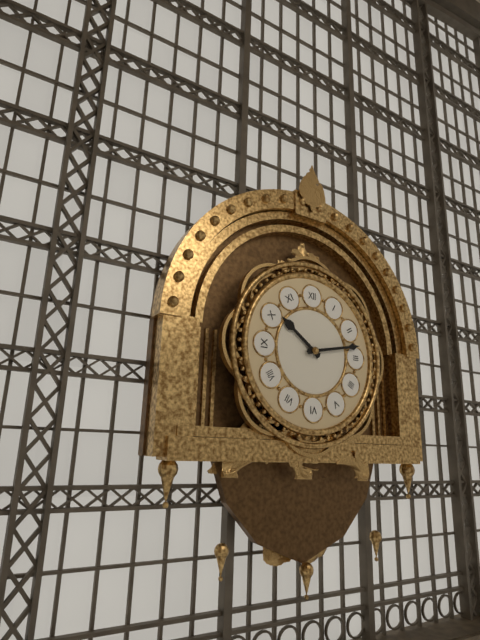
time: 10:13
